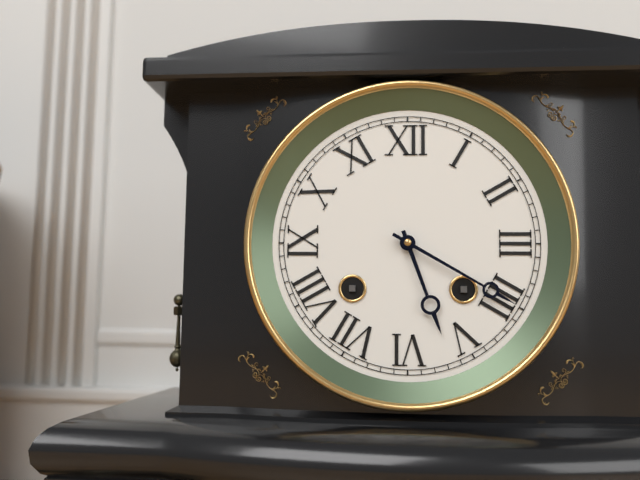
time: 5:20
